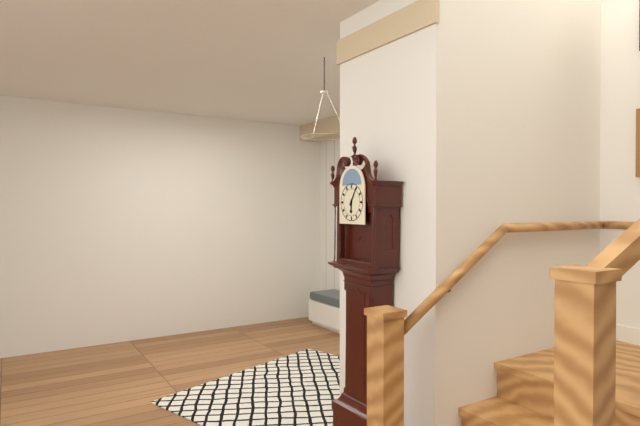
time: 6:05
